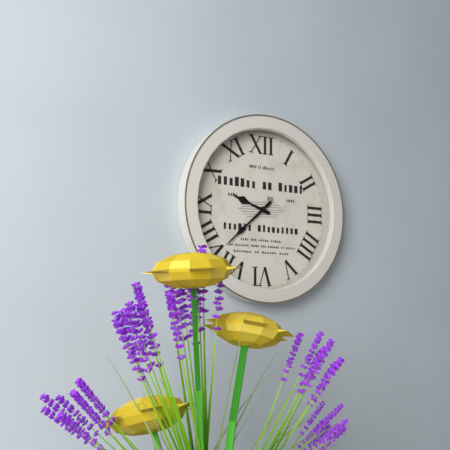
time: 9:38
